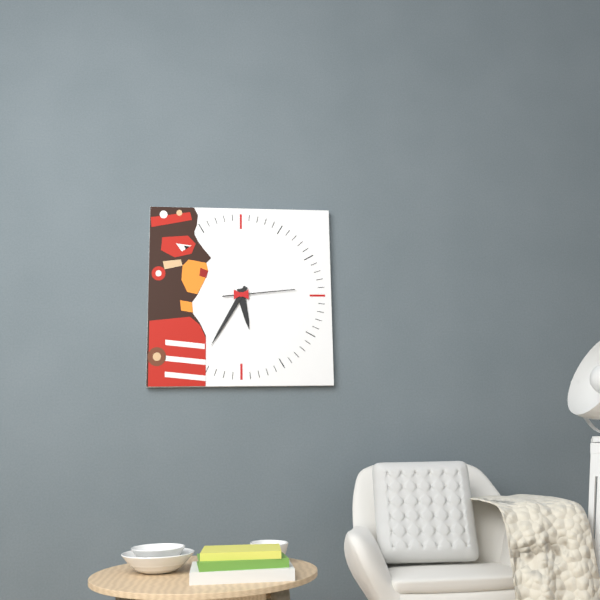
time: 5:35:14
